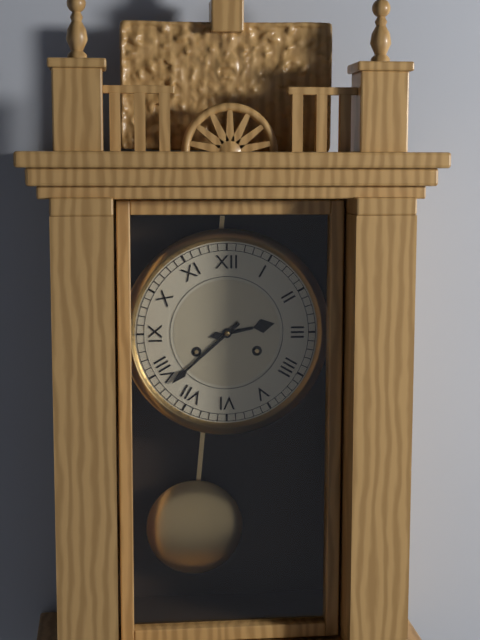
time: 2:38
